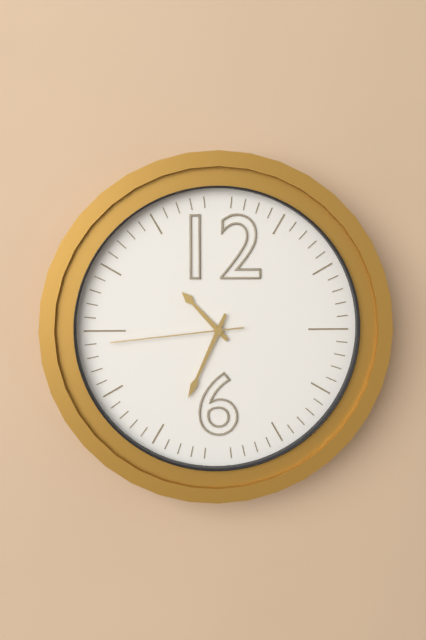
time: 10:34:44
